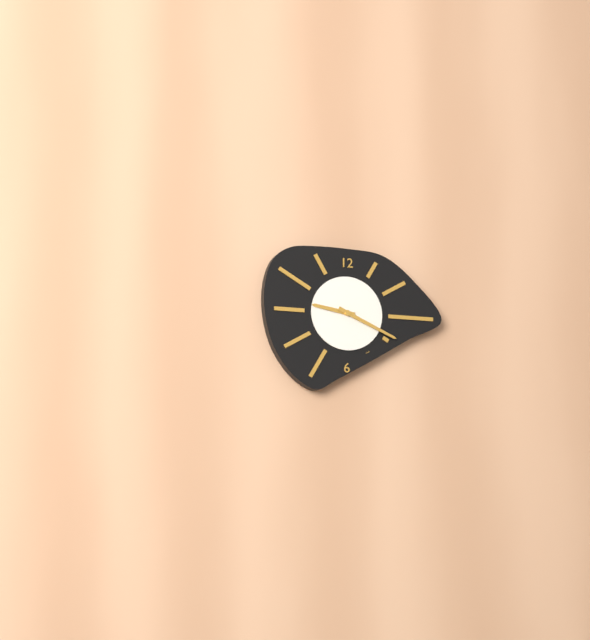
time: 9:19
